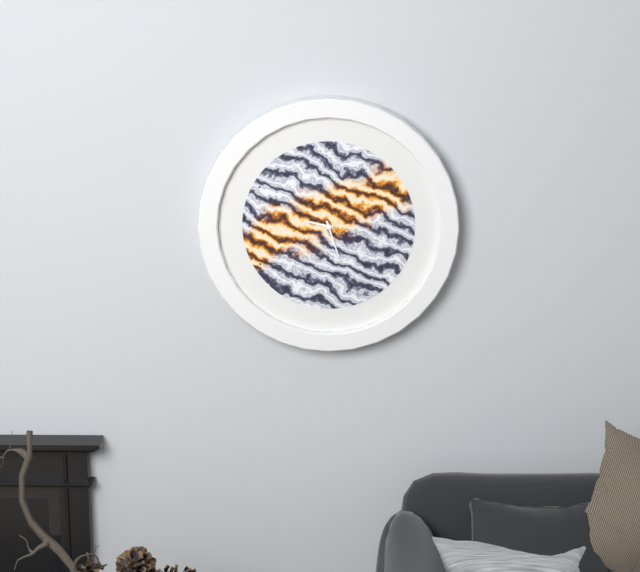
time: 9:27
